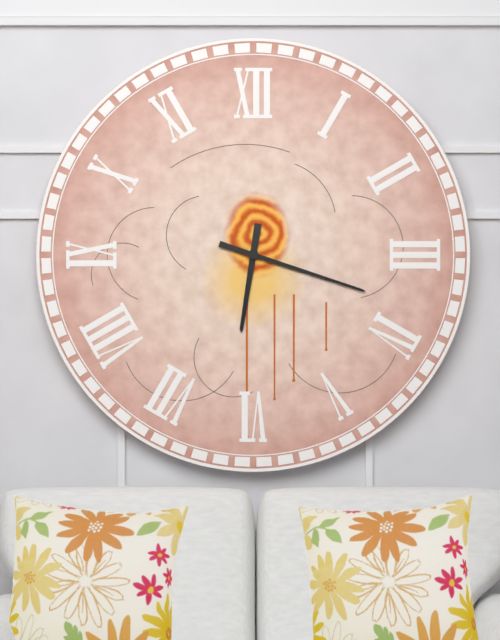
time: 6:18
